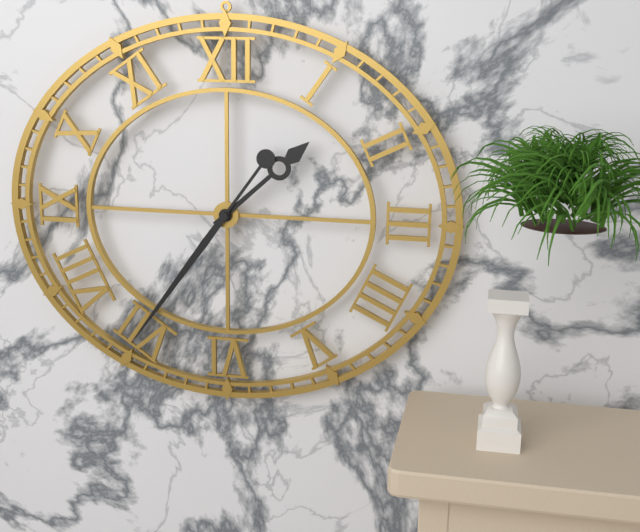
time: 1:36
